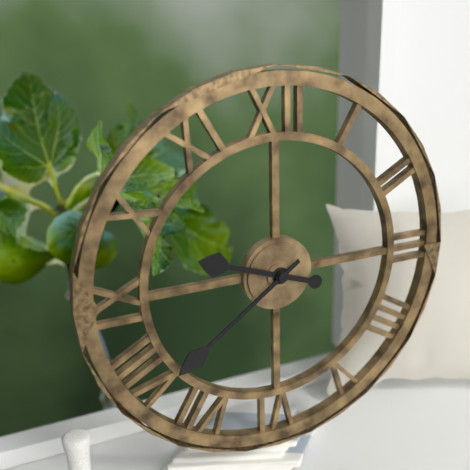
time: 9:39
